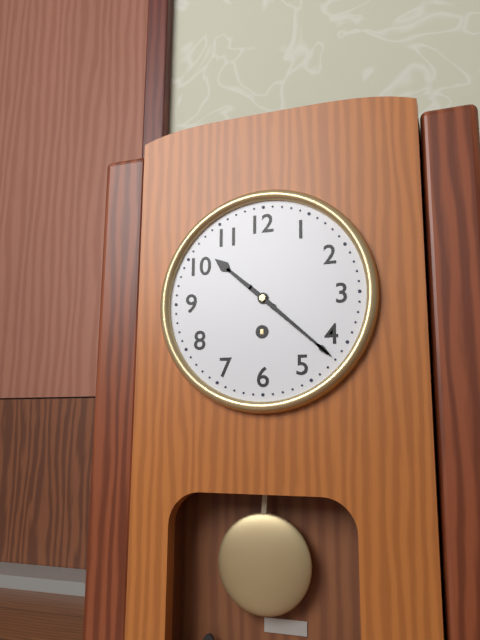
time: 10:22
